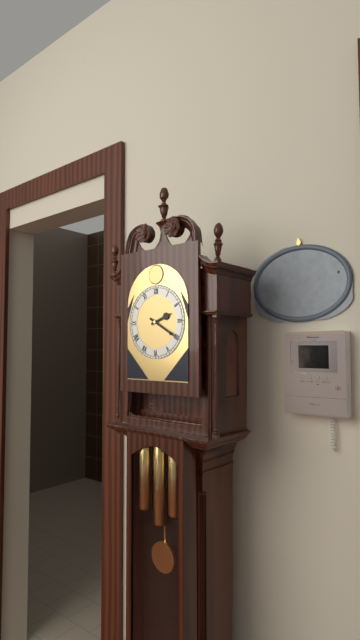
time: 2:20
